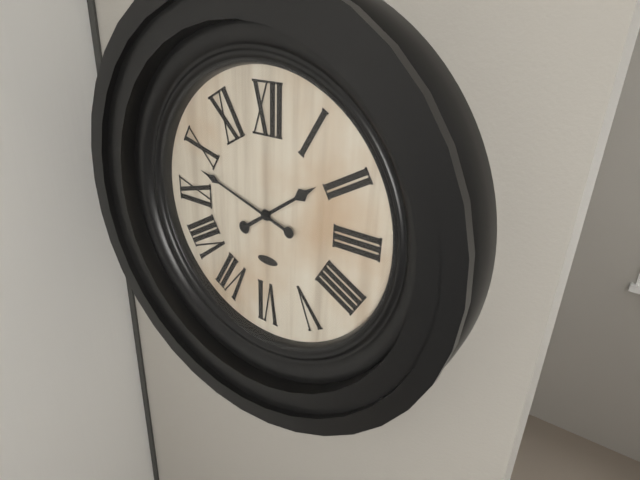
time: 1:48
